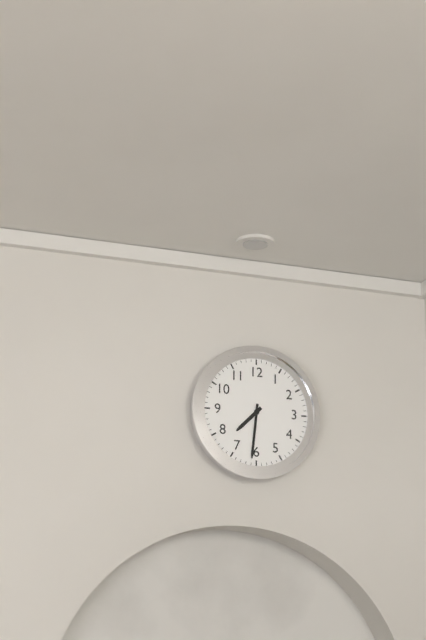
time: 7:31
